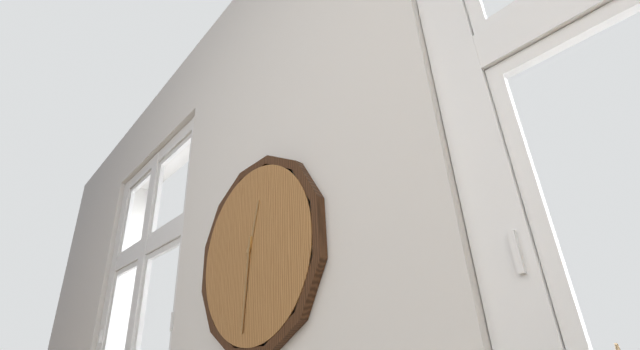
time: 12:31
